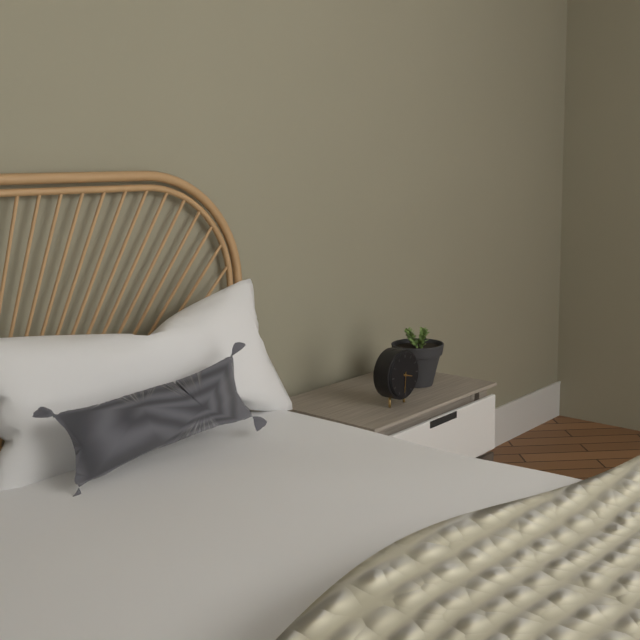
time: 3:31
